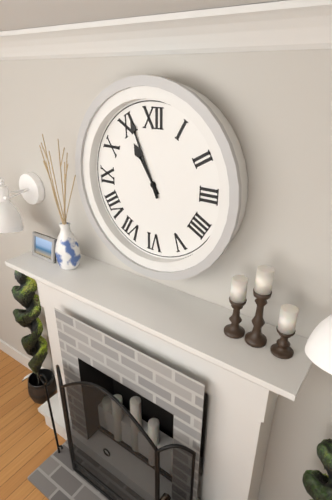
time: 10:56
